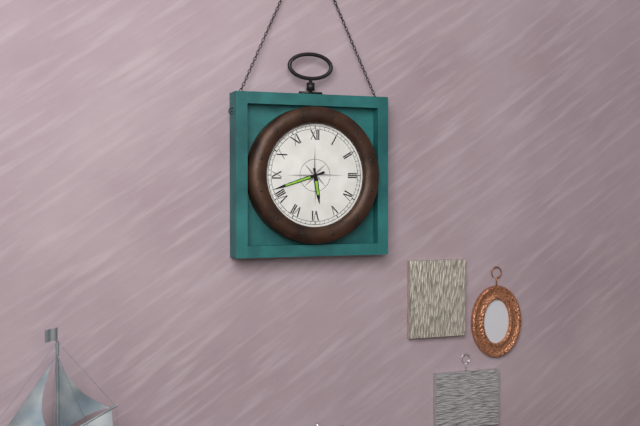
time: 5:42
